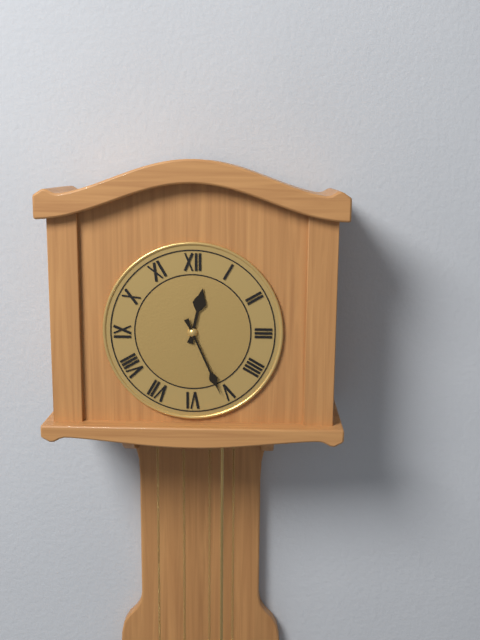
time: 12:26
